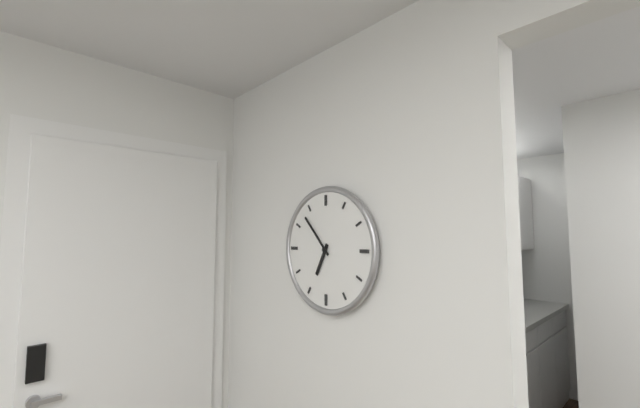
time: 6:53
